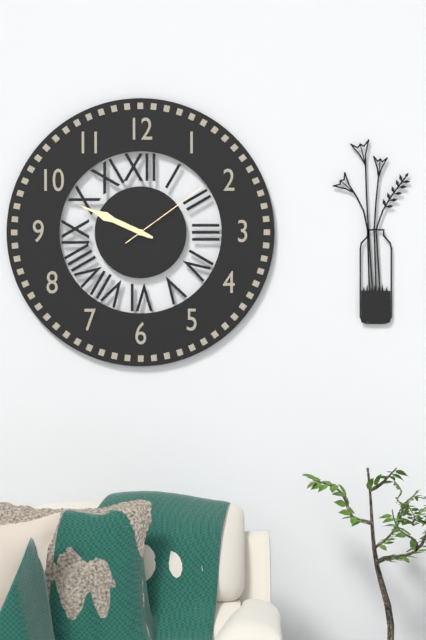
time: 9:49:09
